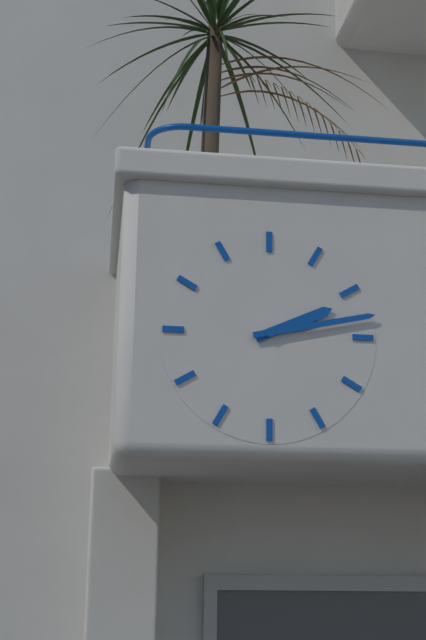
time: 2:13
